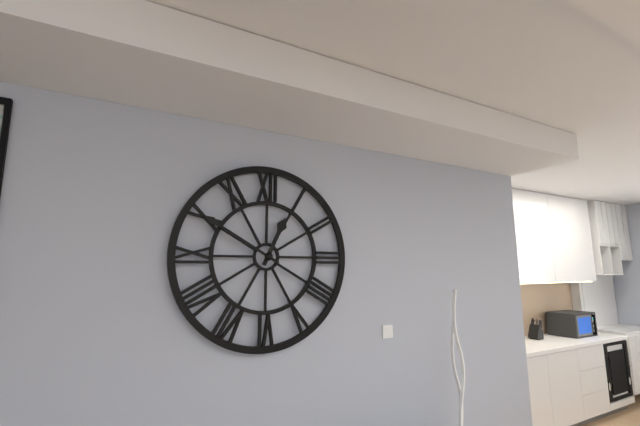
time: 12:50
